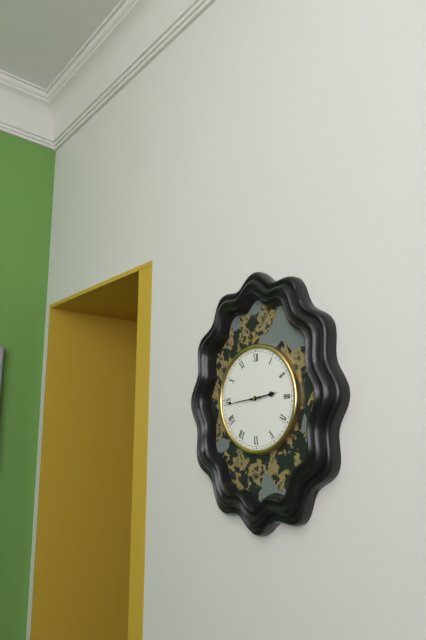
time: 2:44
